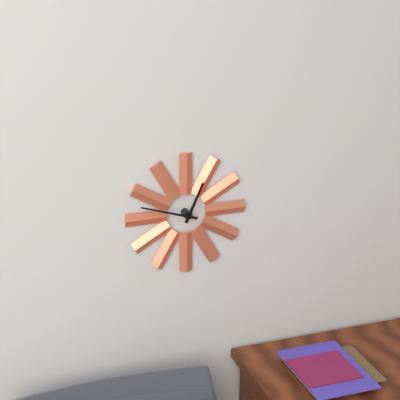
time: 12:48
